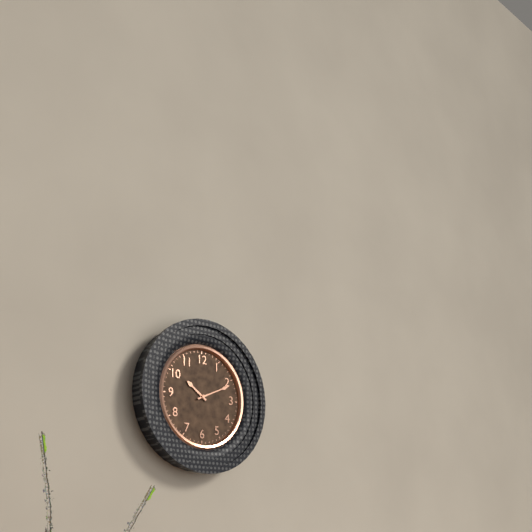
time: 10:11
